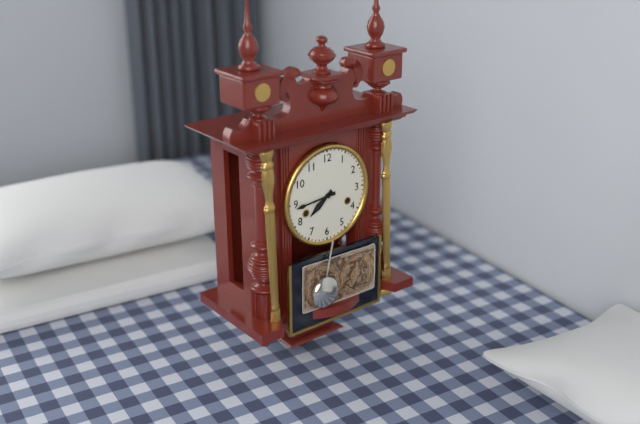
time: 7:44
